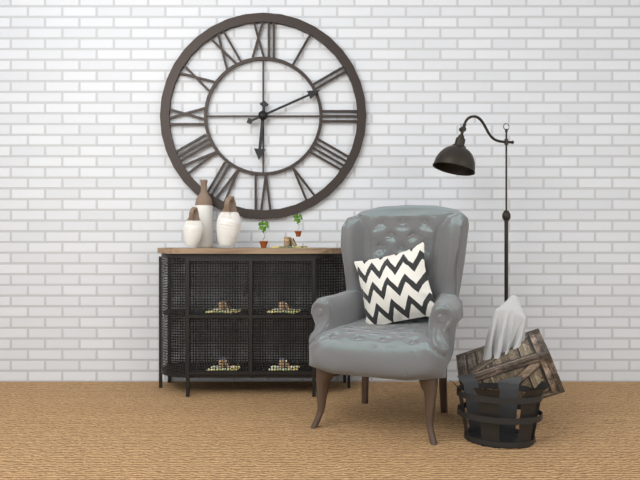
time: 6:11
